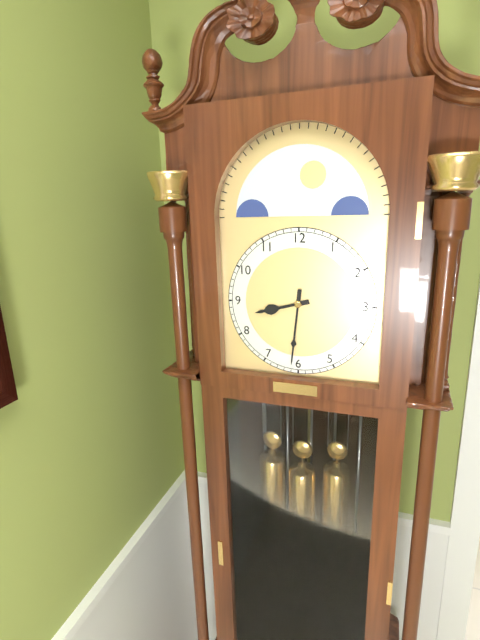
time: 8:31
